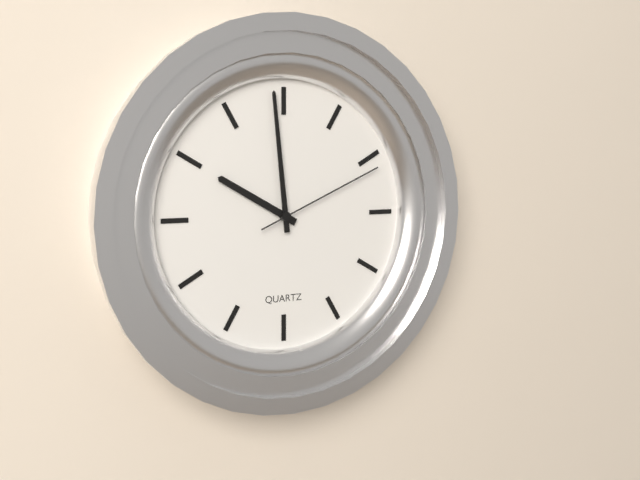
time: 9:59:11
